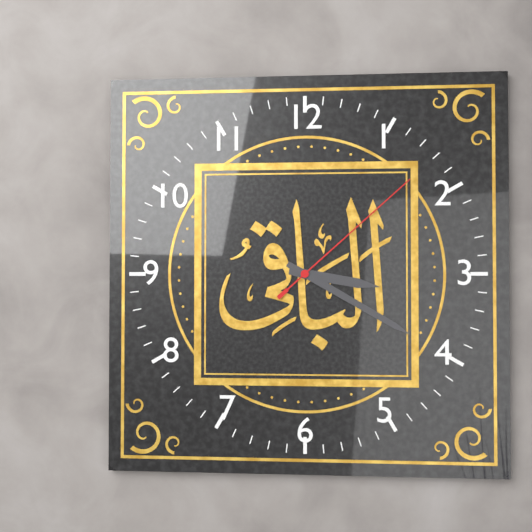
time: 3:20:08
